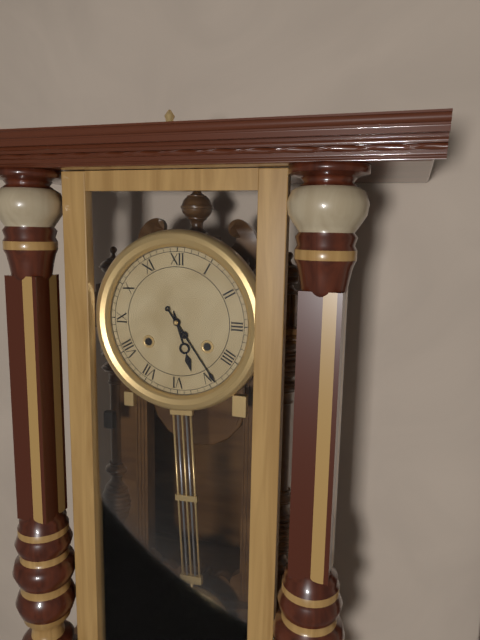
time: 5:24
